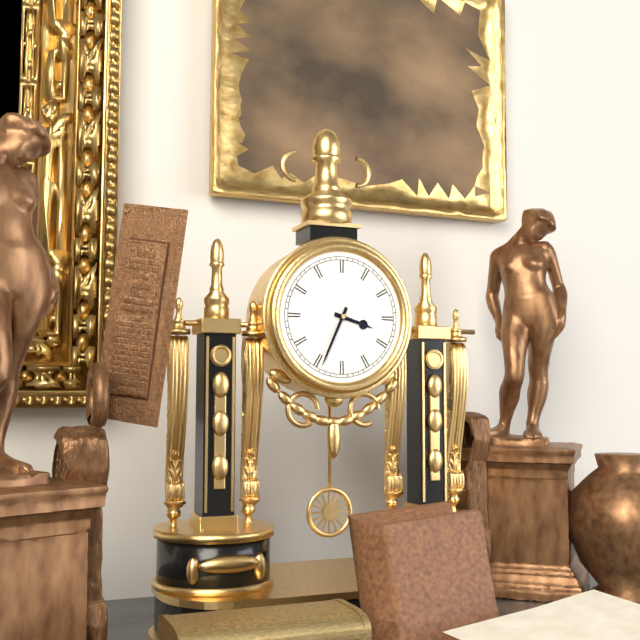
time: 3:34
